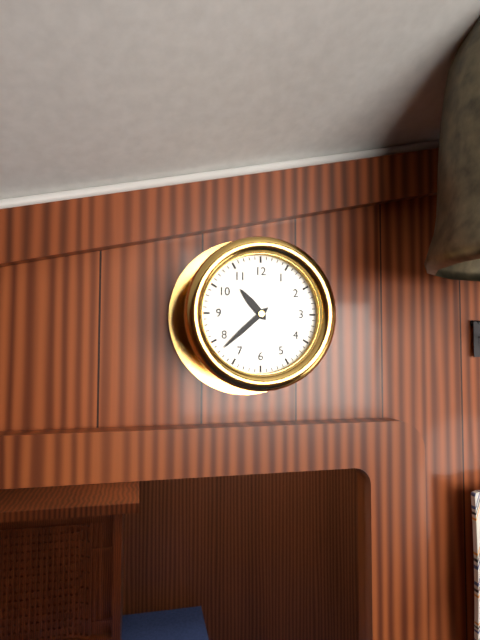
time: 10:38
